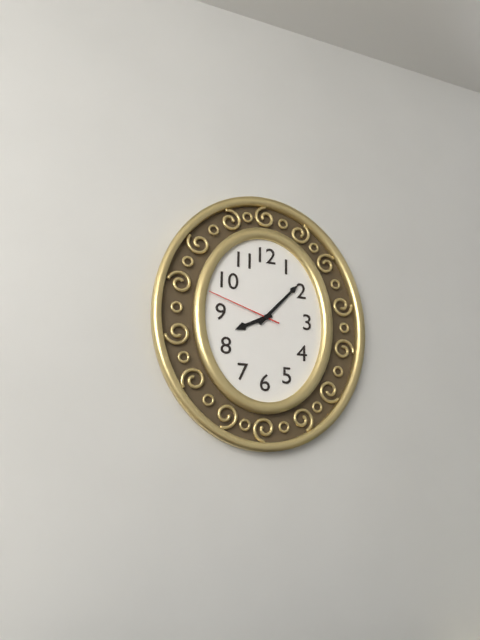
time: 8:07:48
